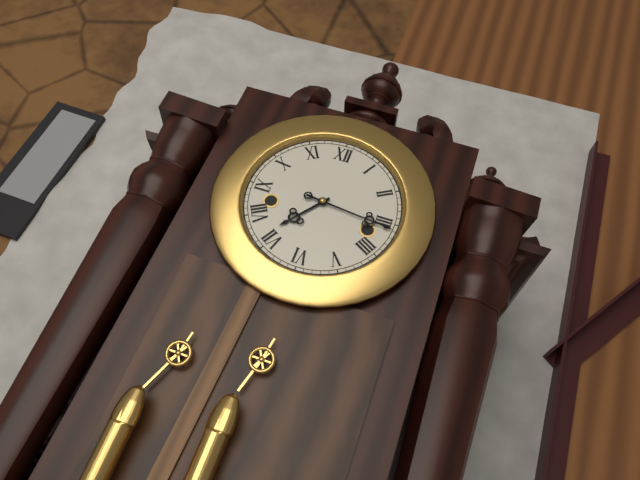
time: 7:16
